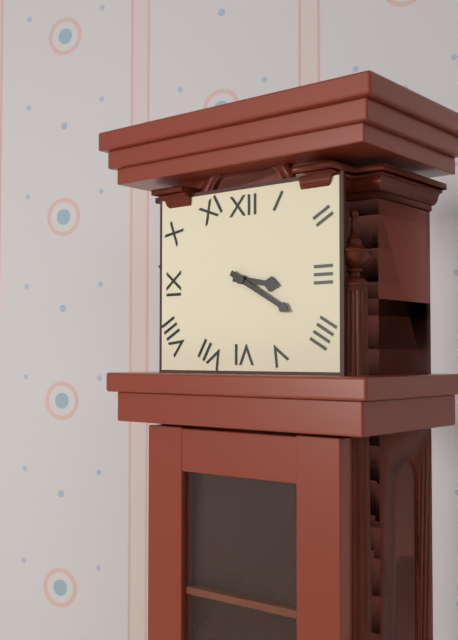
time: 3:20
